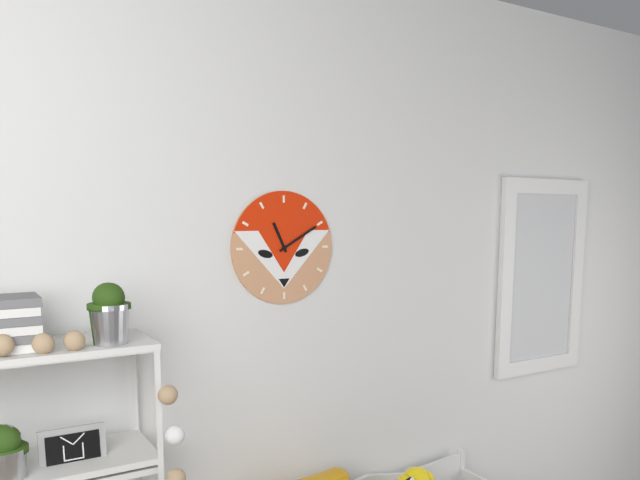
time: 11:10
